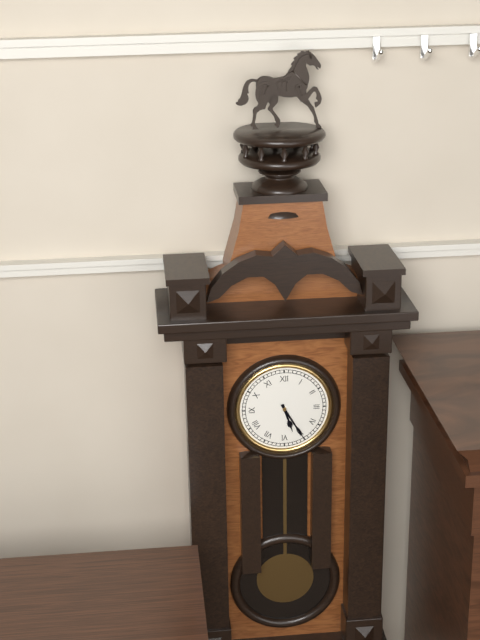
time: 5:25
